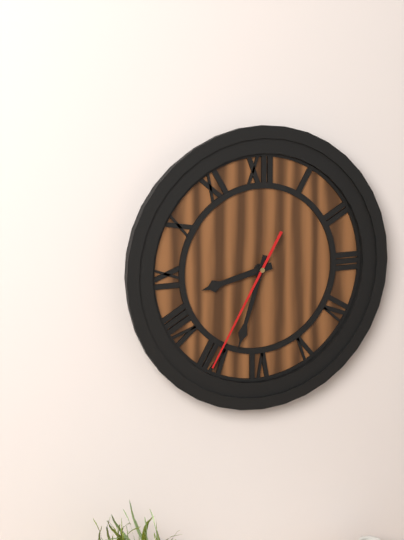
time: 8:33:35
